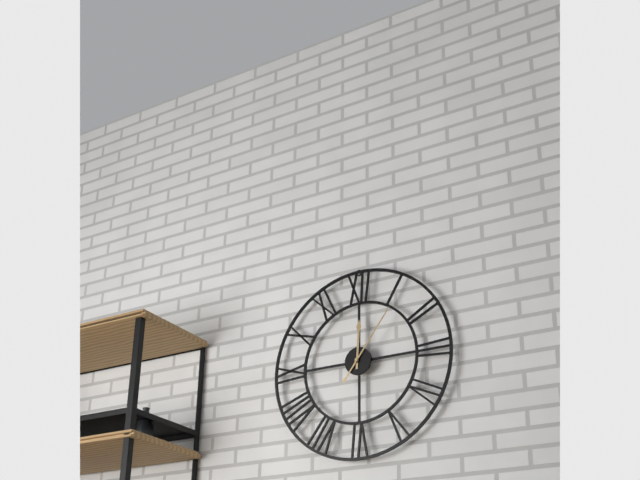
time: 12:06
